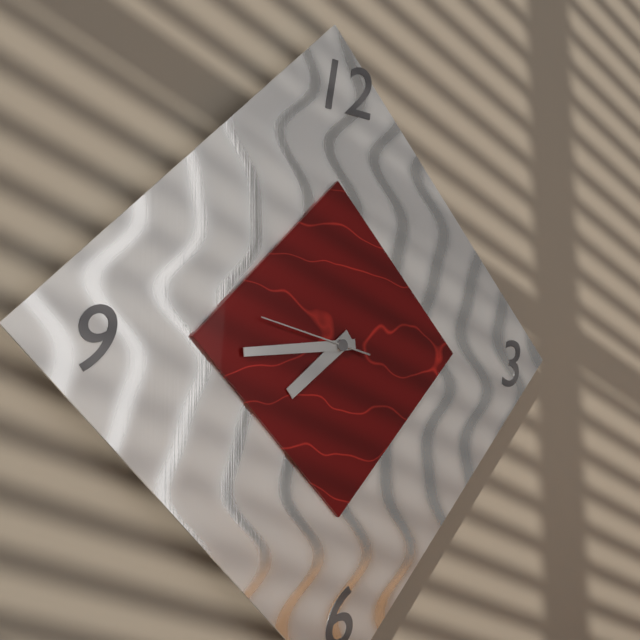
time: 7:44:47
